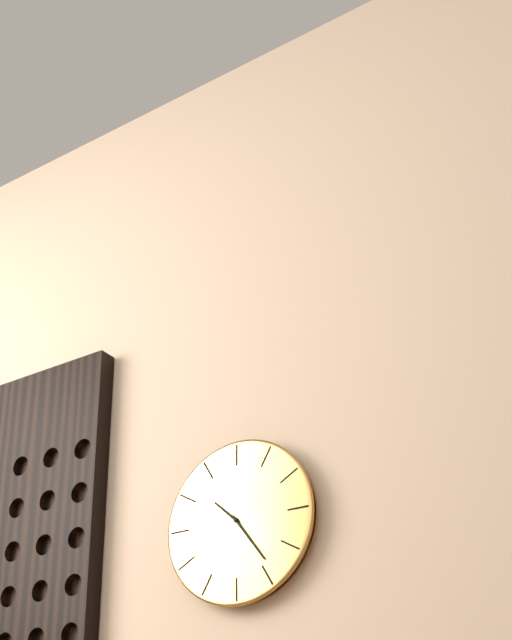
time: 10:24
